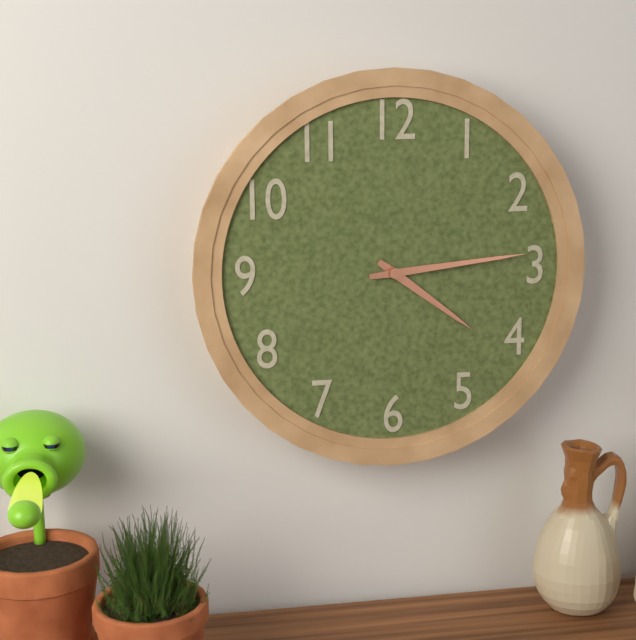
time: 4:14
